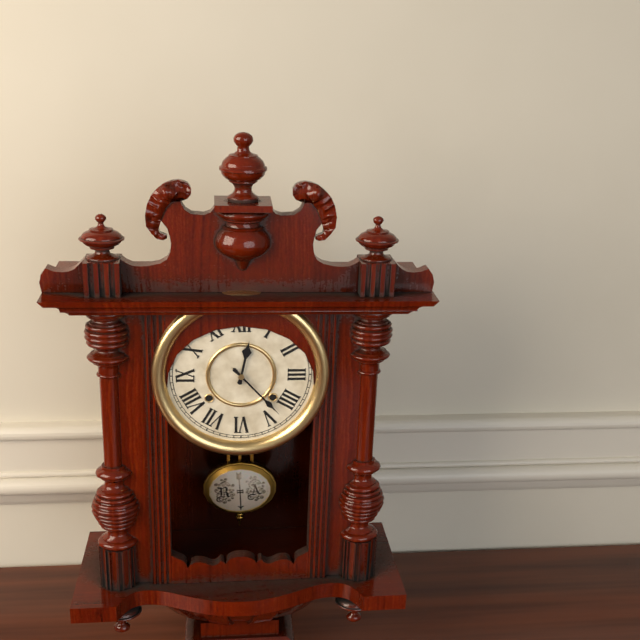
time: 12:23
